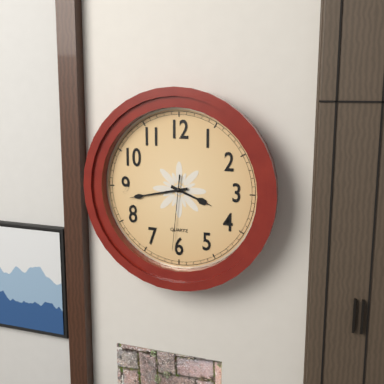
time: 3:43:31
